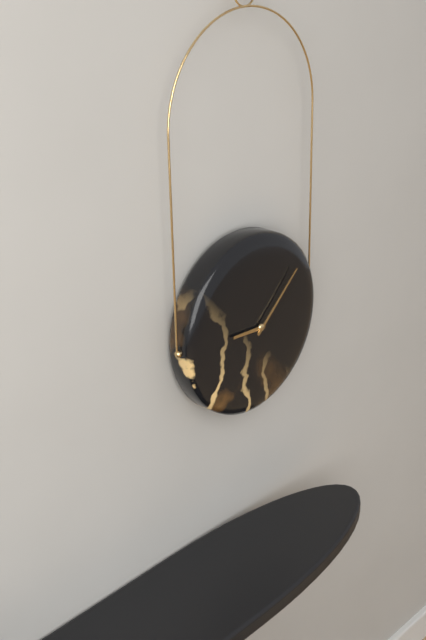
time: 9:08
